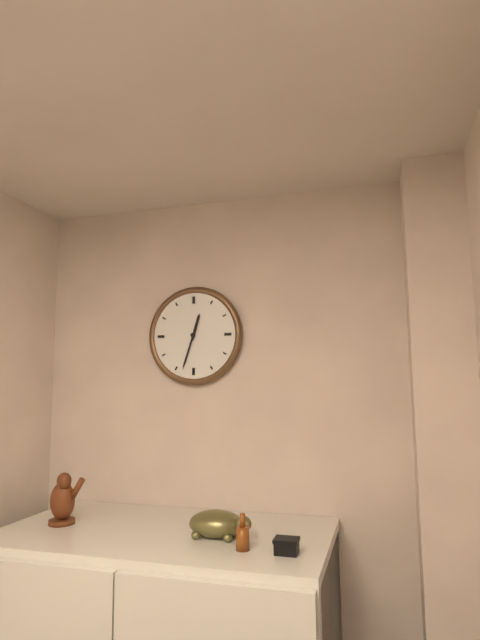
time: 12:33
